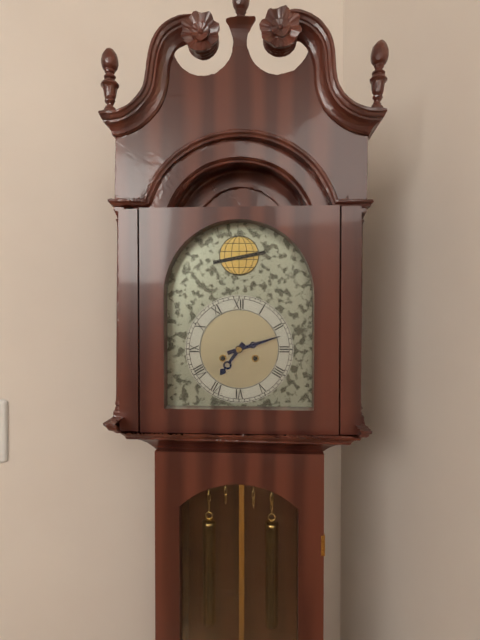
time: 7:12
